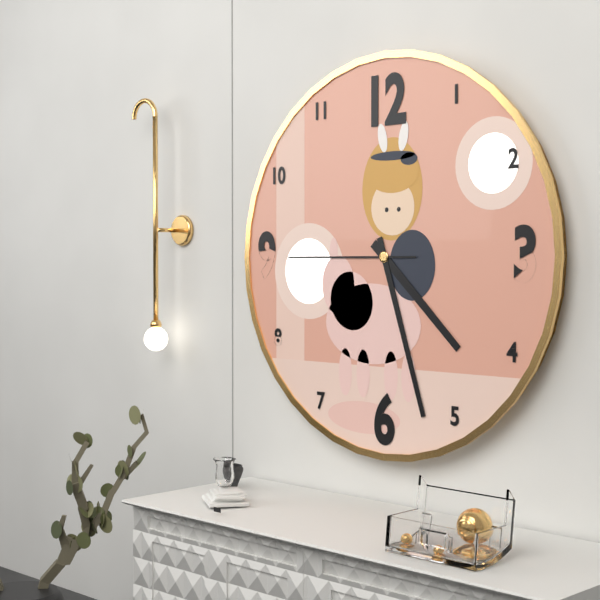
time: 4:27:45
